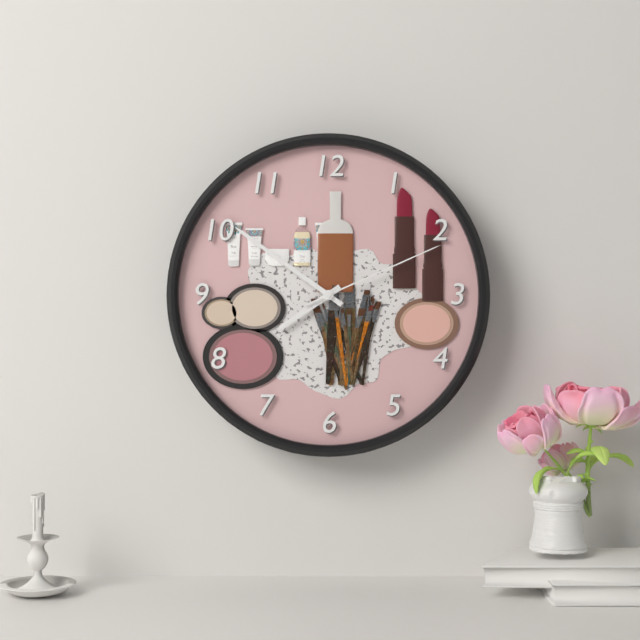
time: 7:51:11
